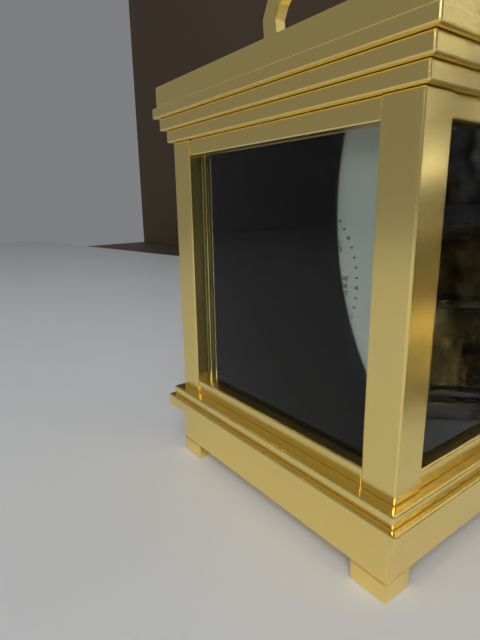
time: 4:00
